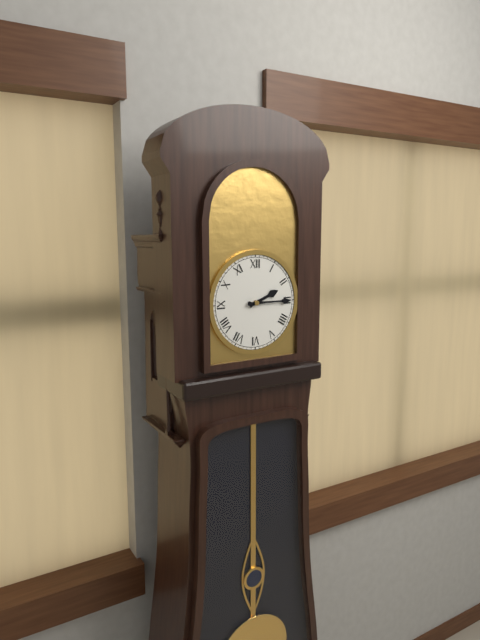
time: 2:15
